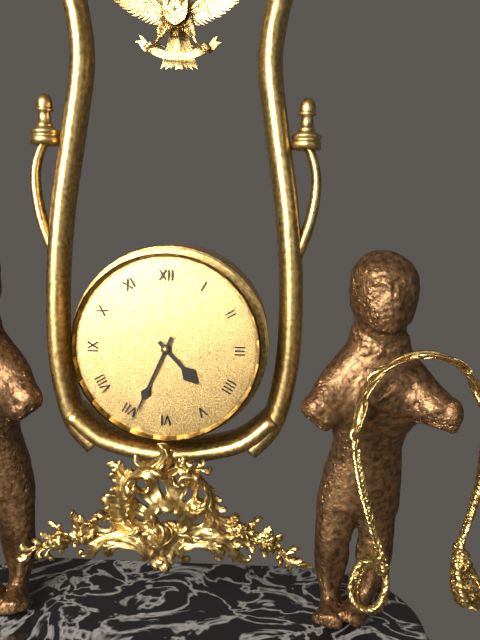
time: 4:34
